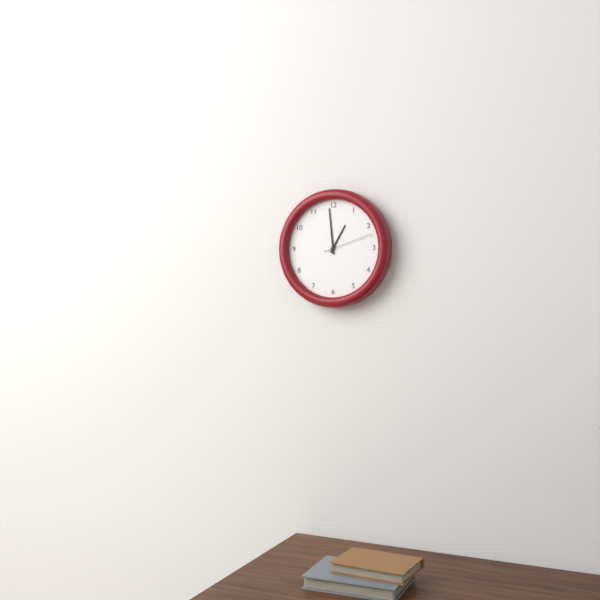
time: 12:59:12
